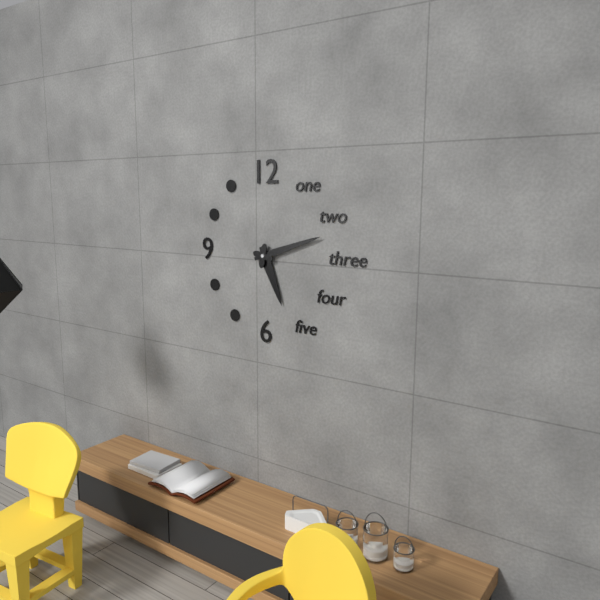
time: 5:12
